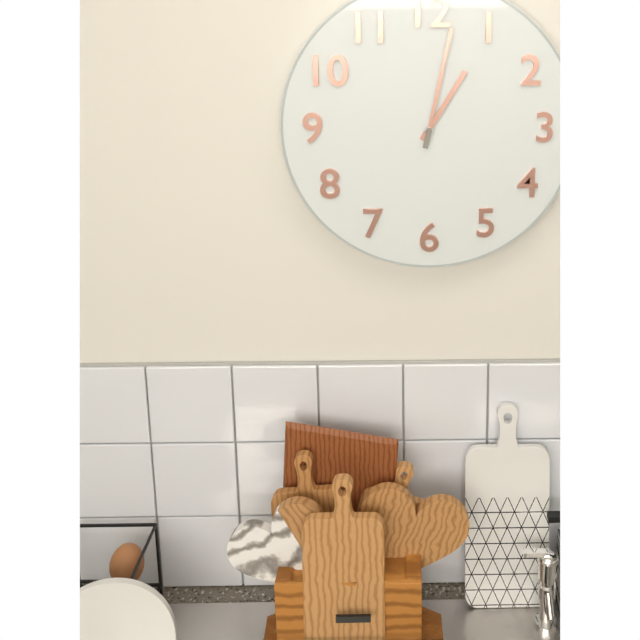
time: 1:02
